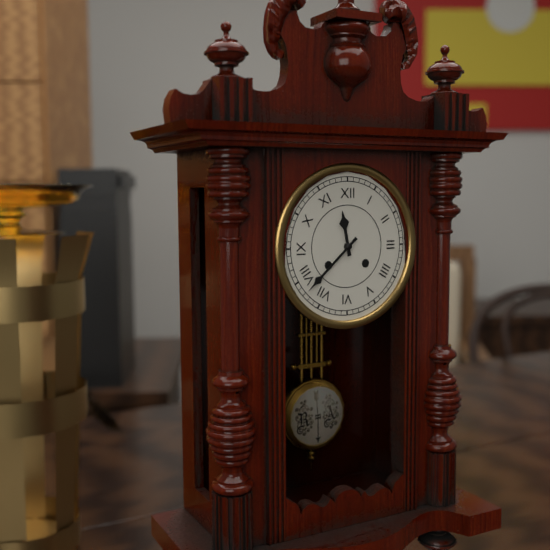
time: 11:38
